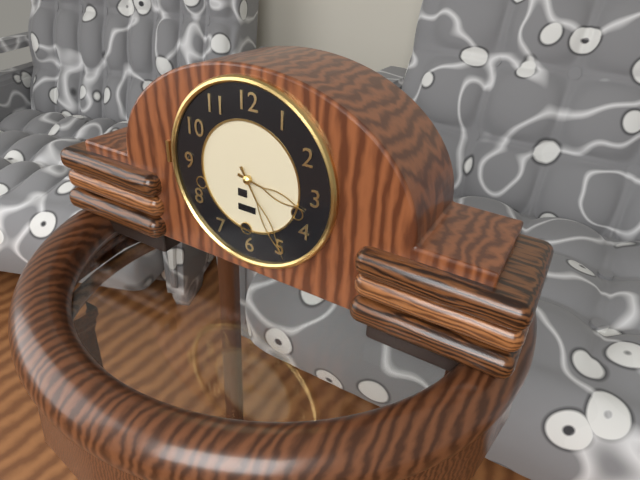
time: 3:25
